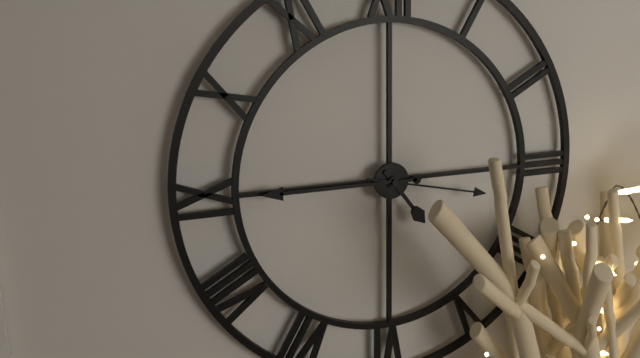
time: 4:45:17
